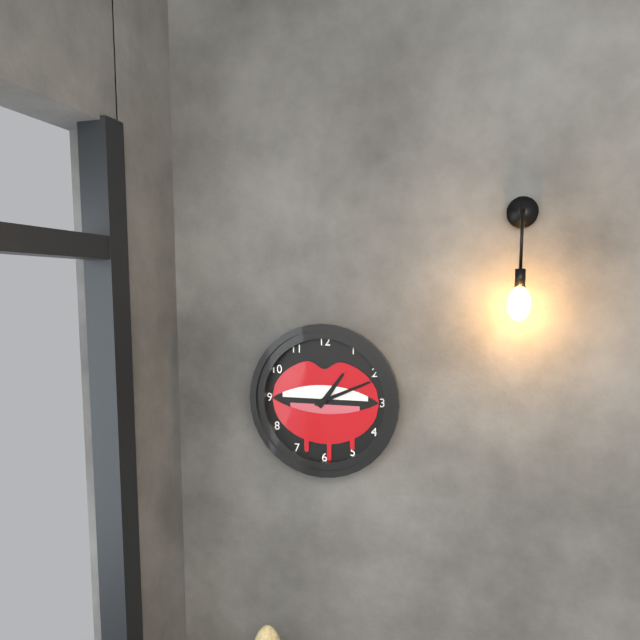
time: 1:11
